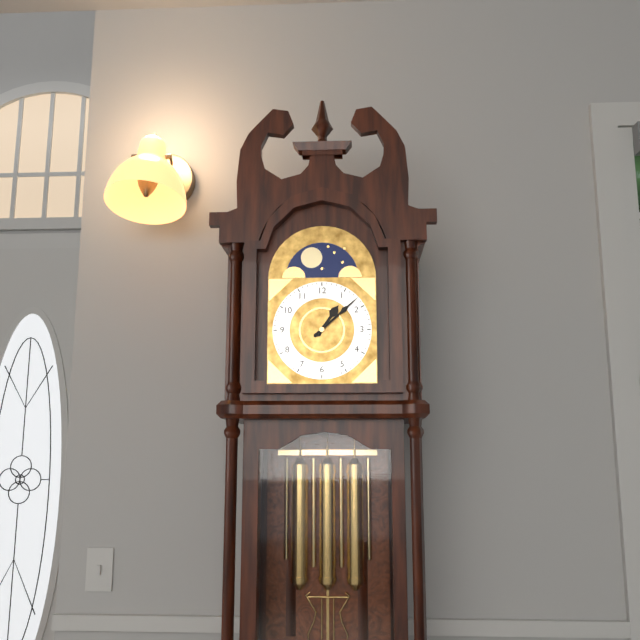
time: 1:08
